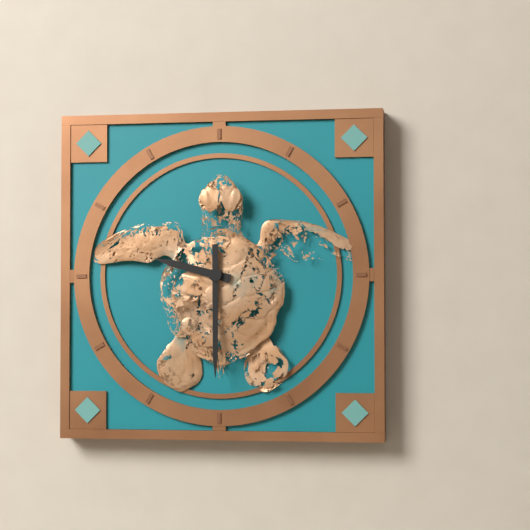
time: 9:30
